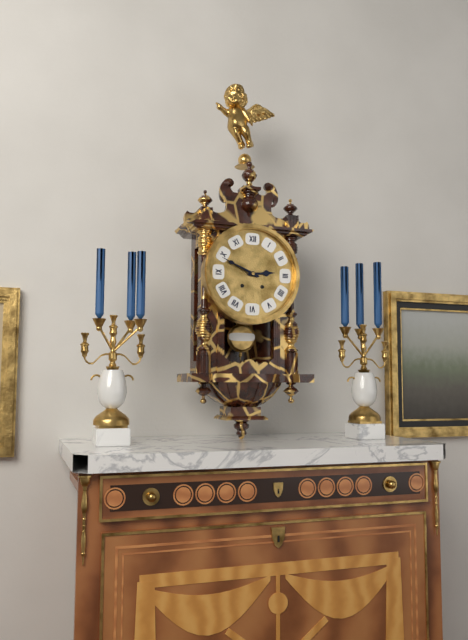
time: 2:49
